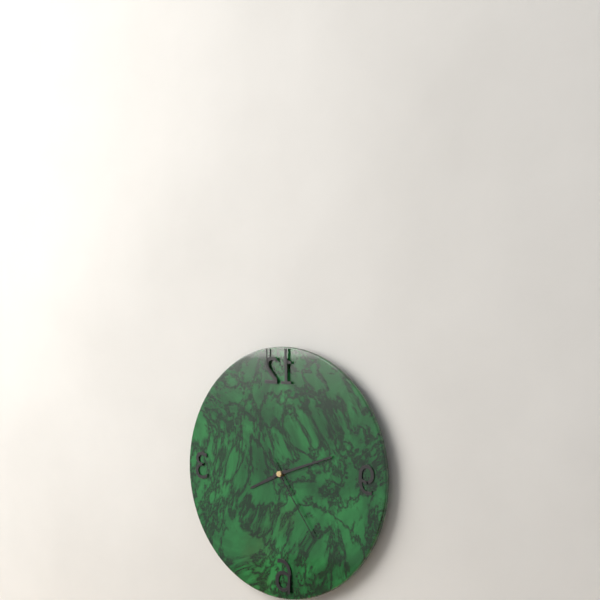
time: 8:12:24
